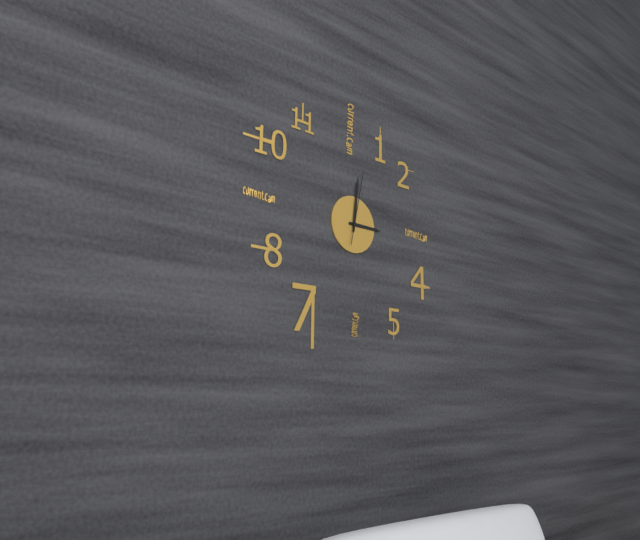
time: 3:01:02
